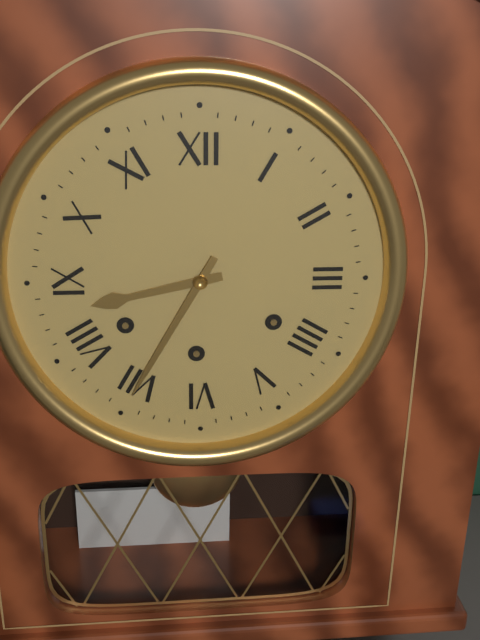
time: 8:35
